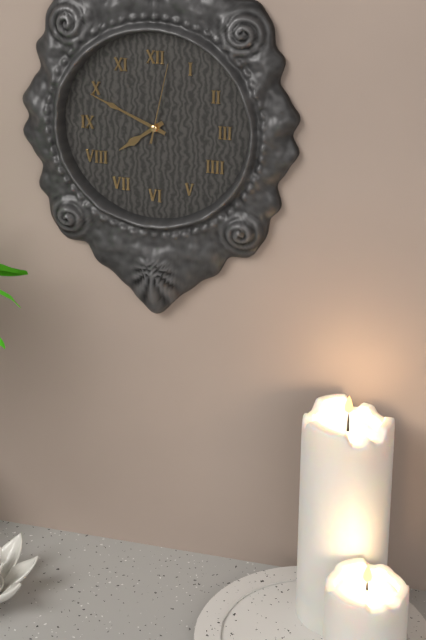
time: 7:49:02
